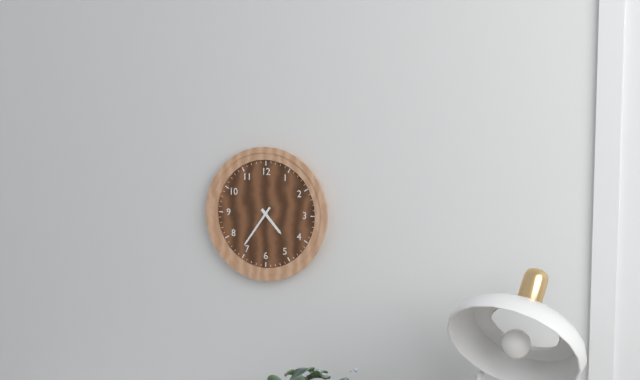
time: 4:36
